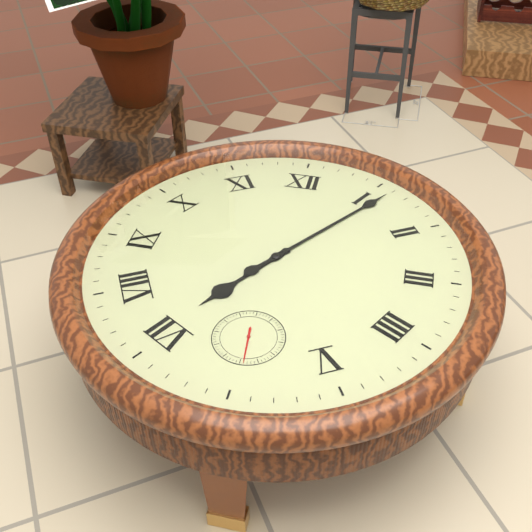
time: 7:06
